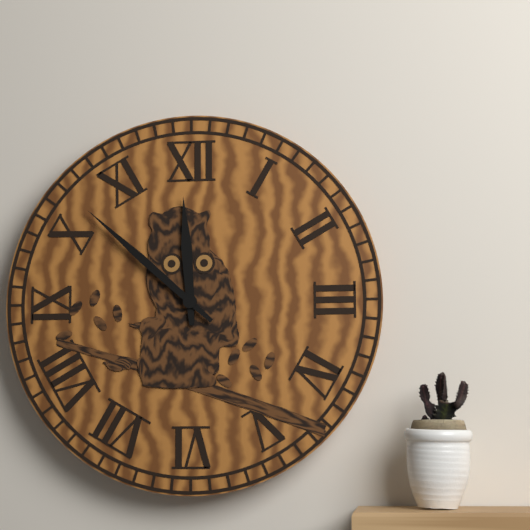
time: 11:52
